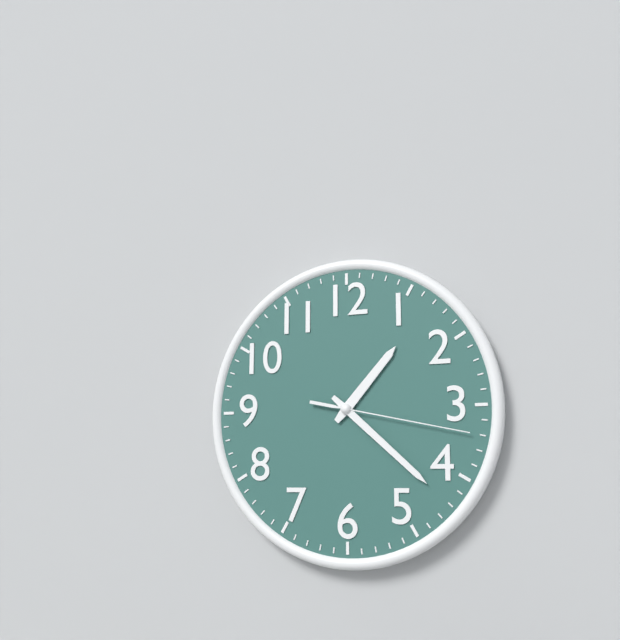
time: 1:22:17
